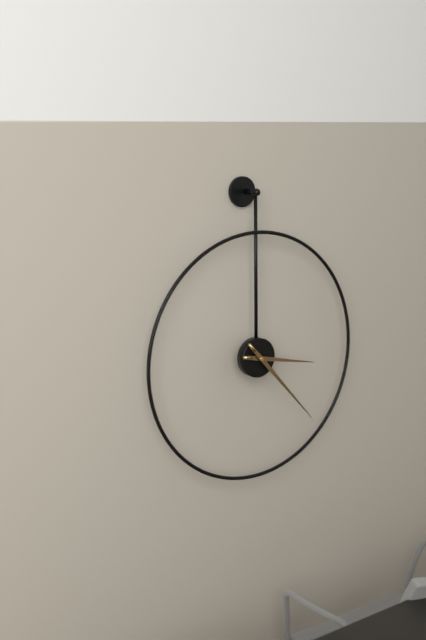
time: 3:23
